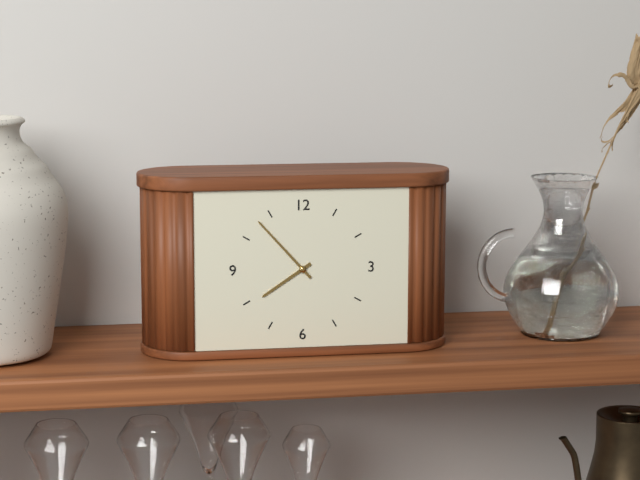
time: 7:53
